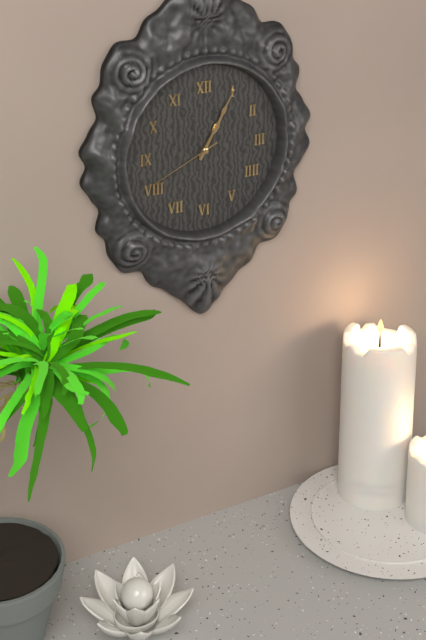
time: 1:05:41
